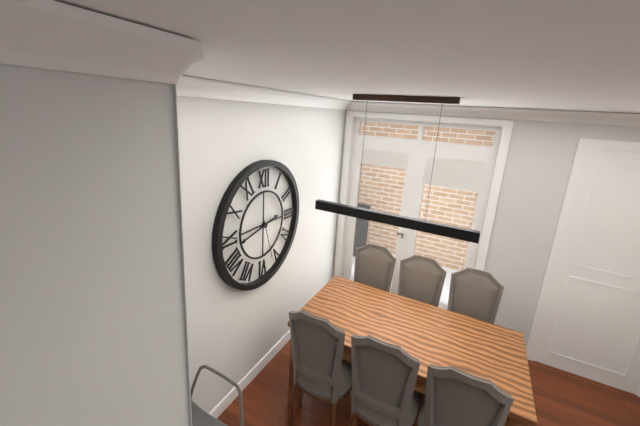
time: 2:43
